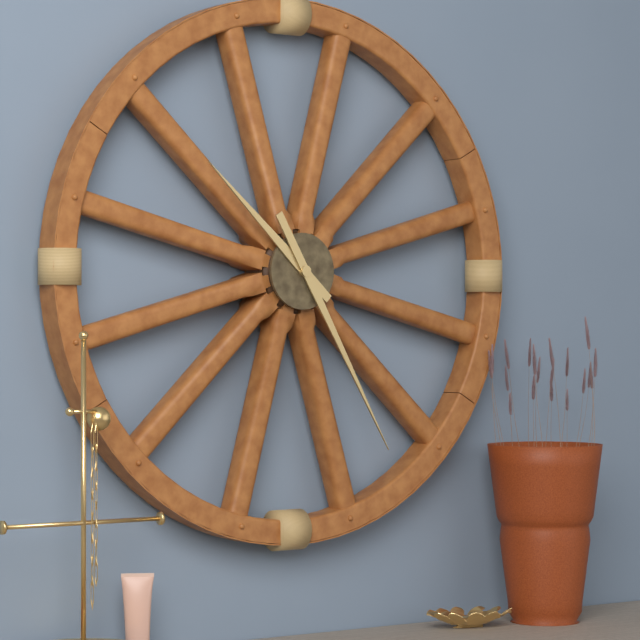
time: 10:25
